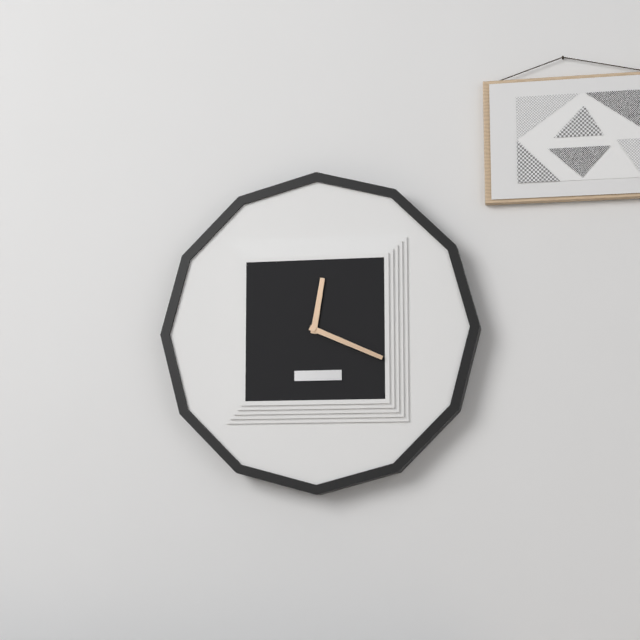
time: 12:19
